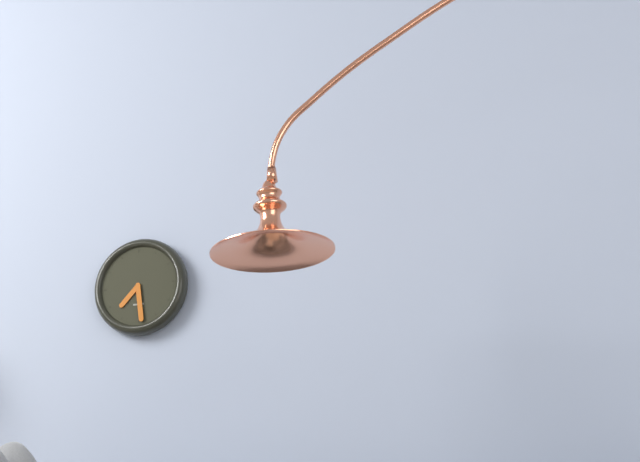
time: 7:29
